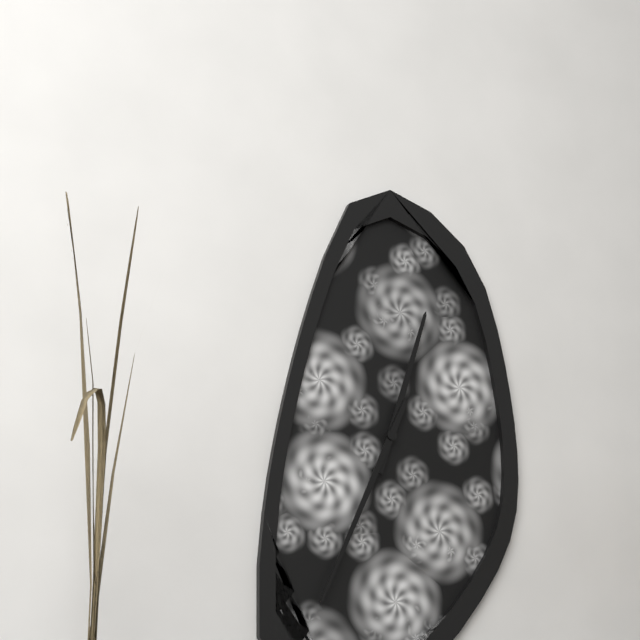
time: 12:34
